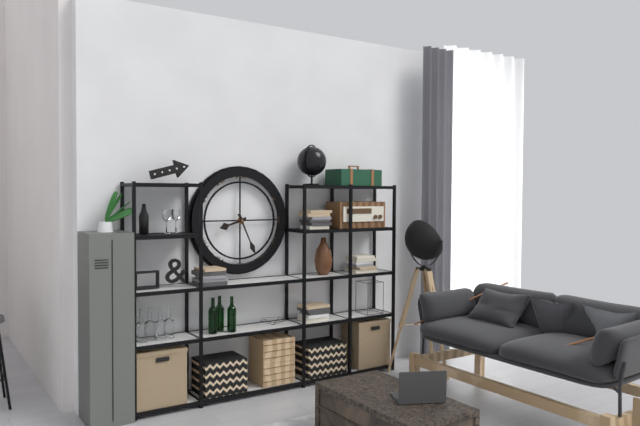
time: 8:26
